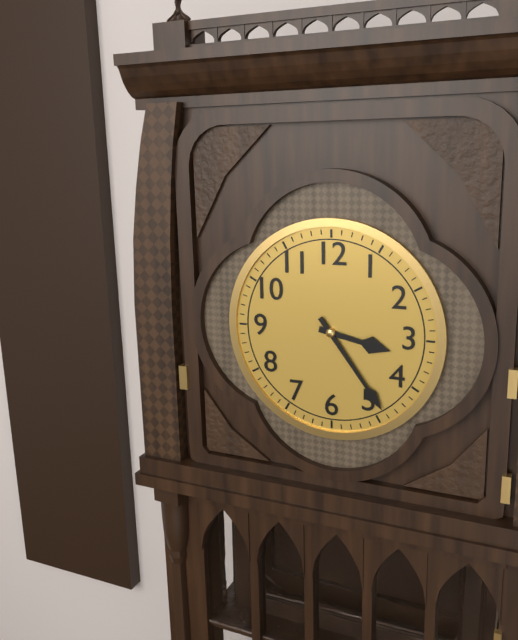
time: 3:24
